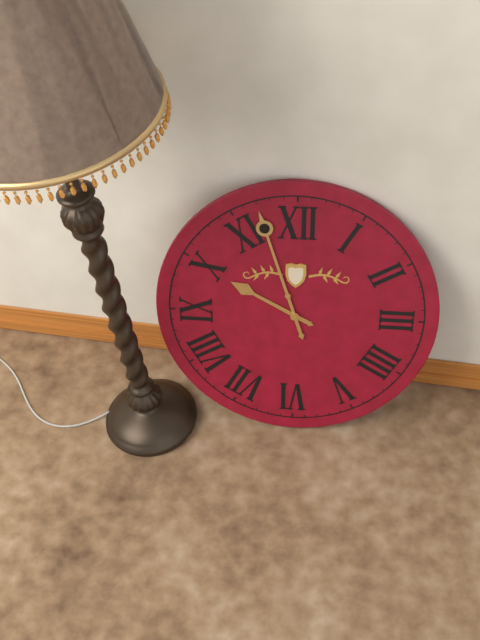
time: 9:57
